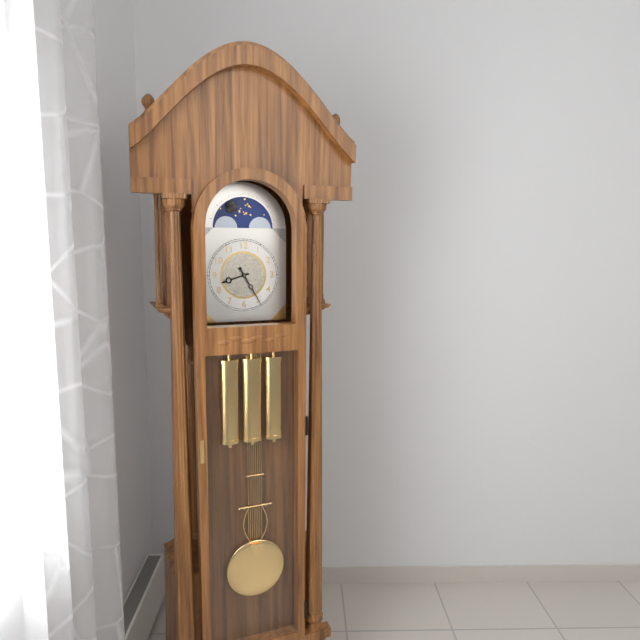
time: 8:25
